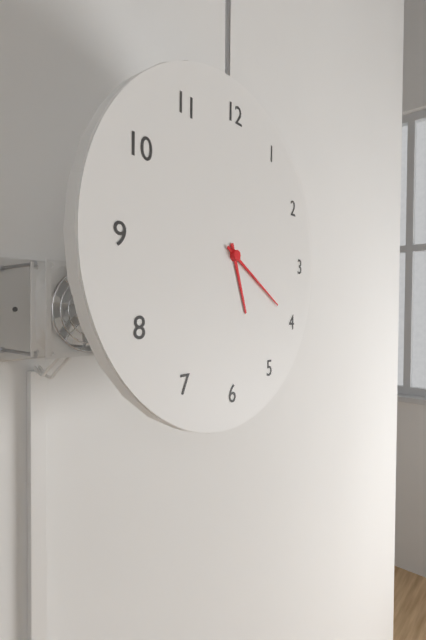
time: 5:20
